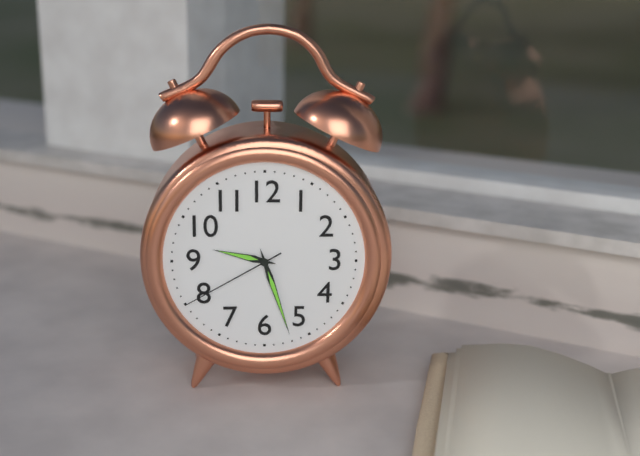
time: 9:27:40
